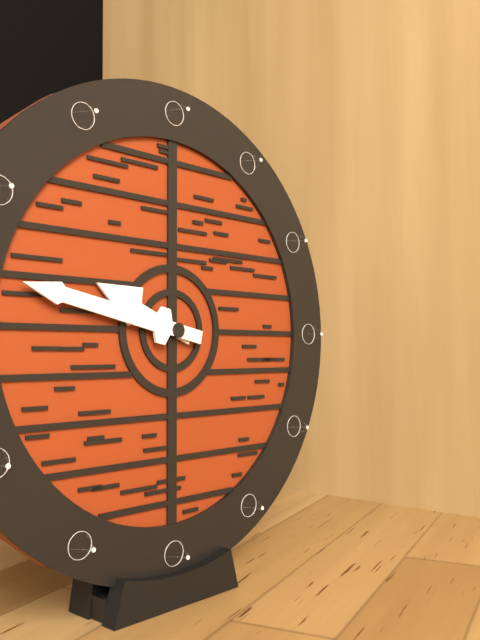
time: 9:47
